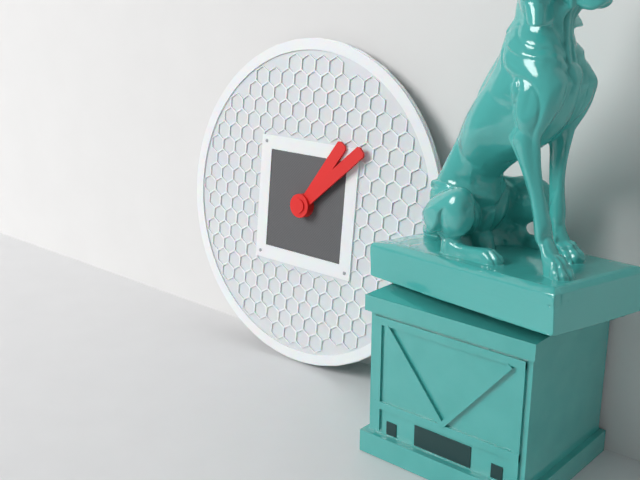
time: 1:08
